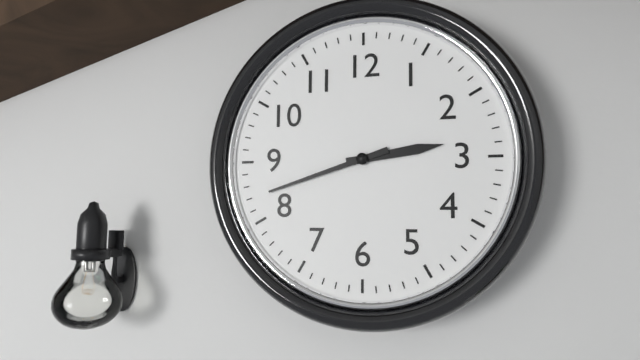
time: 2:42
